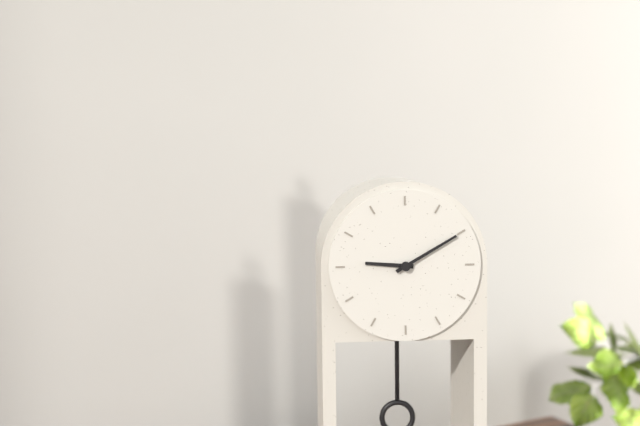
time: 9:10
